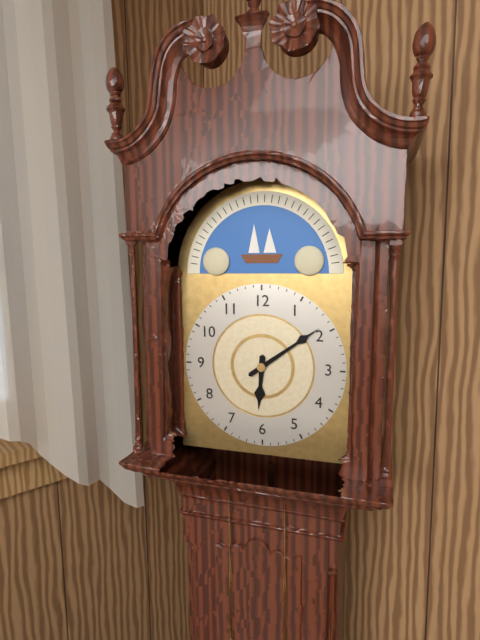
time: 6:09
